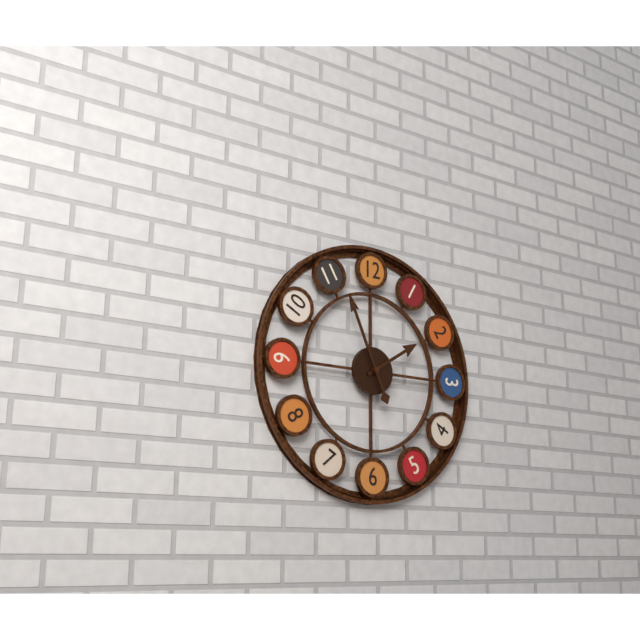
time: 1:56
